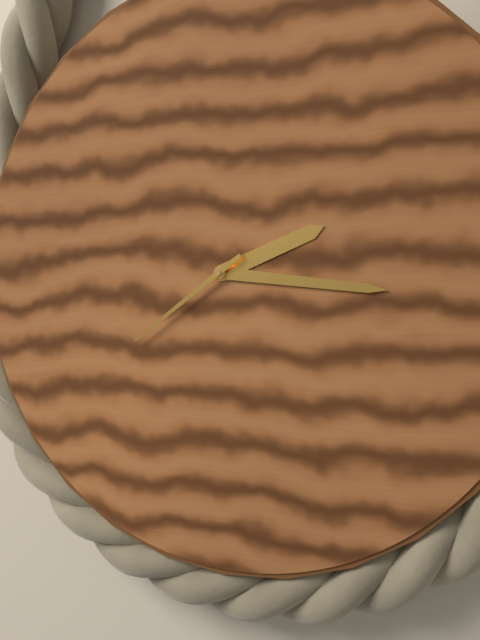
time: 2:16:39
